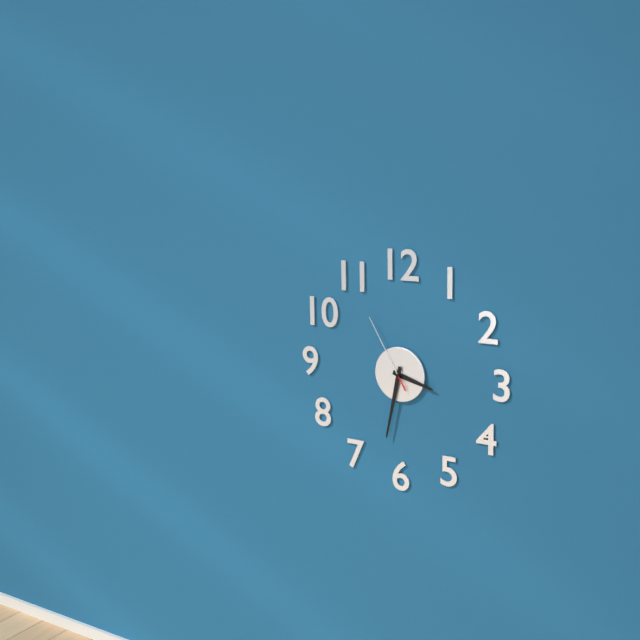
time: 3:32:55
